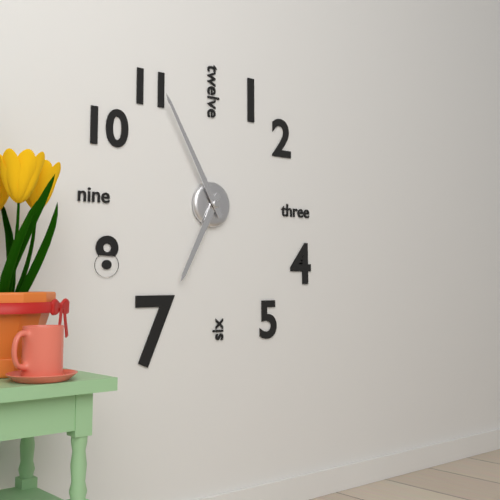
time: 6:55
